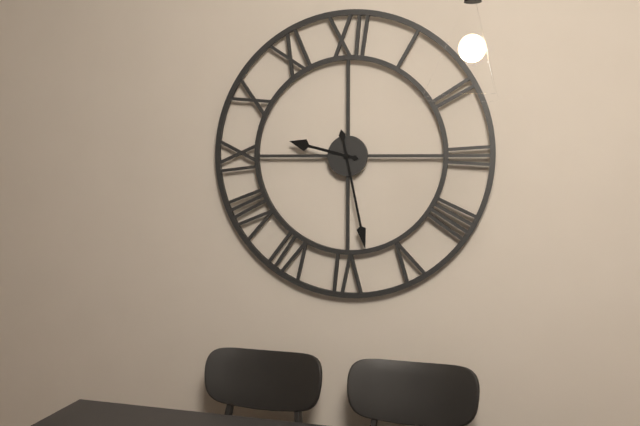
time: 9:28
